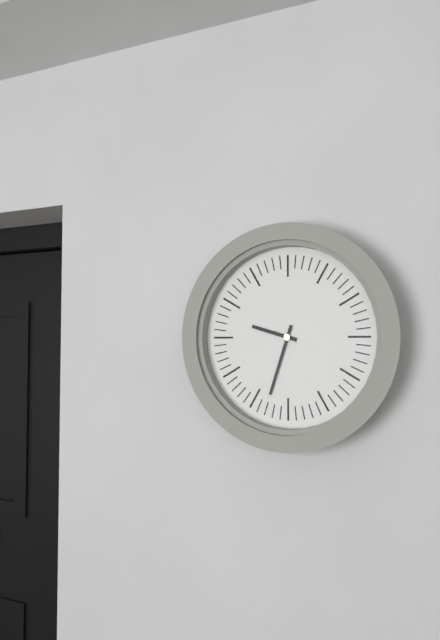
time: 9:33
